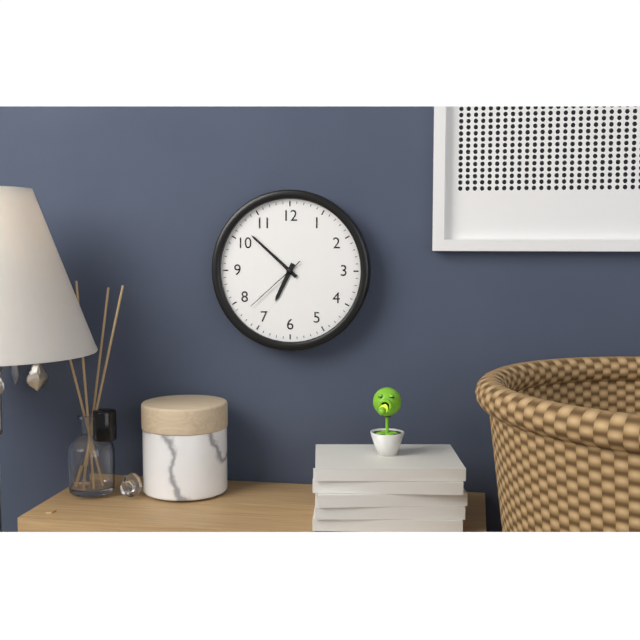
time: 6:52:38
